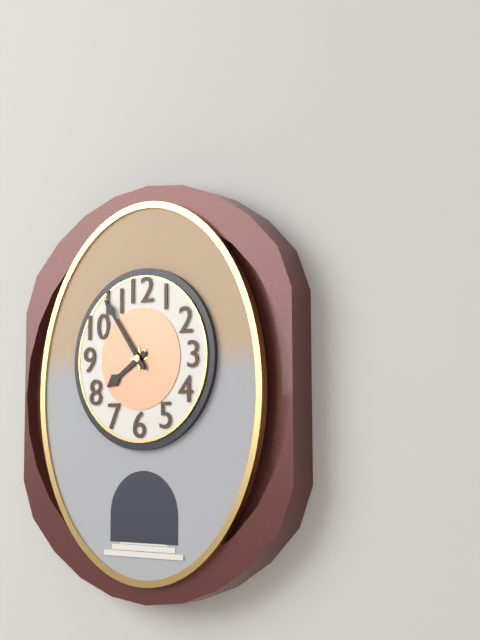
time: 7:54
